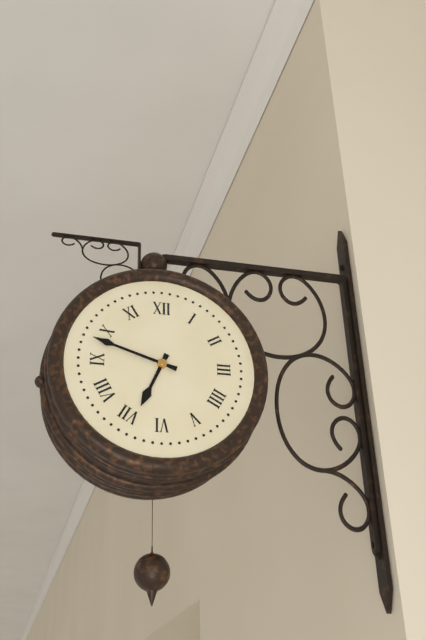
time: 6:48
